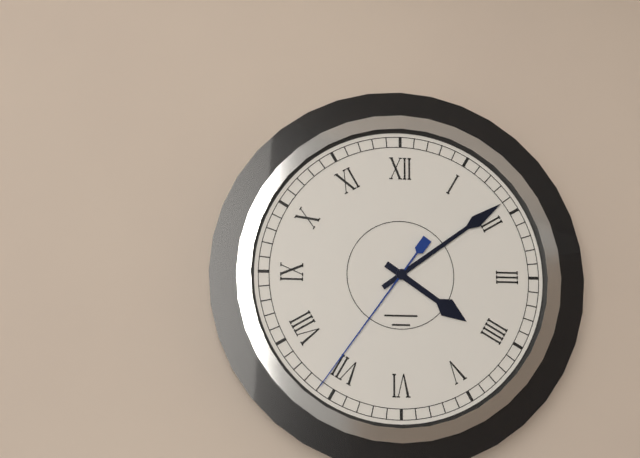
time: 4:09:36
